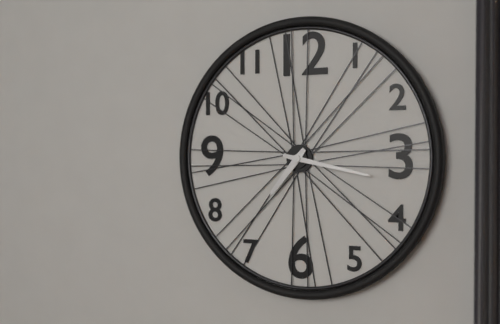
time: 7:17
